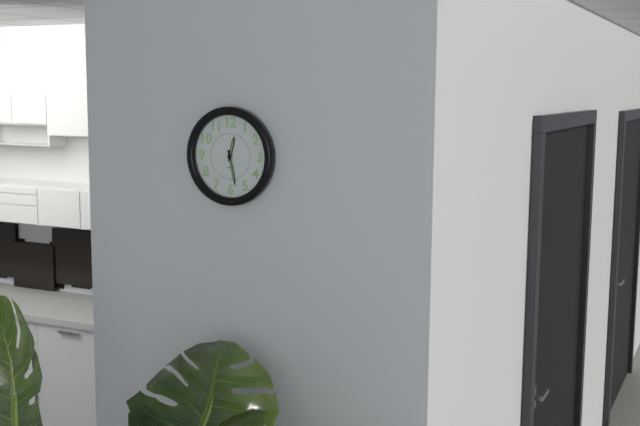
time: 12:28
